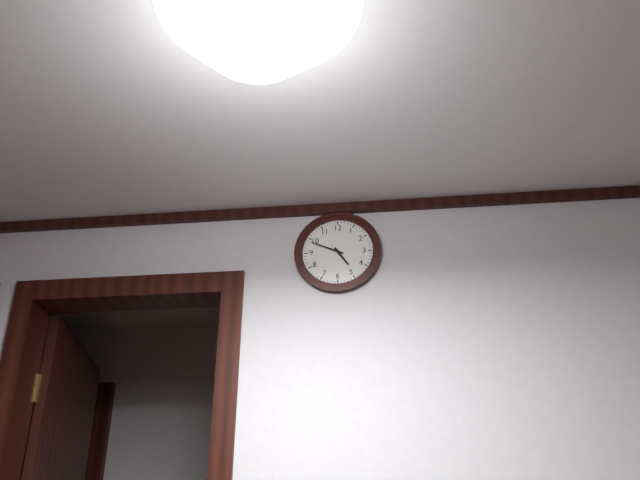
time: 4:49
